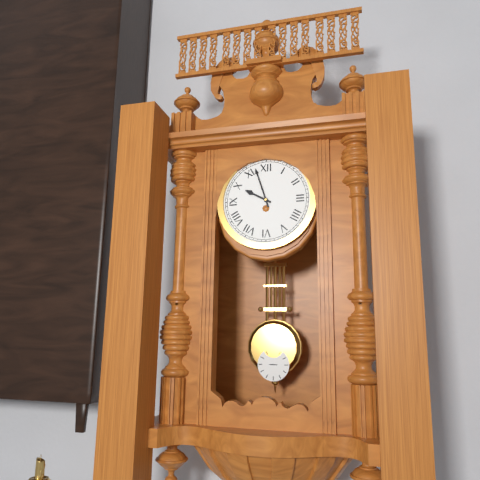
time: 9:57
